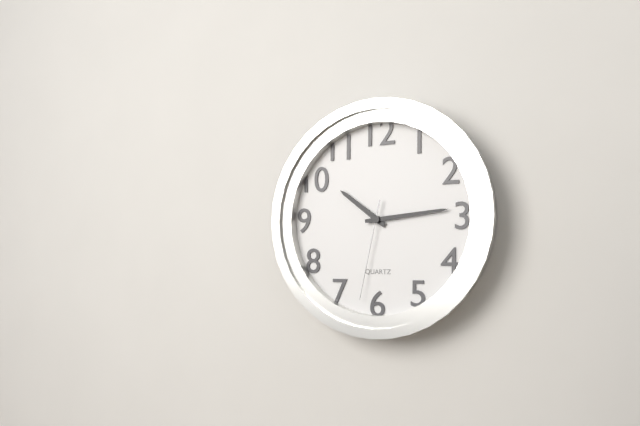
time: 10:14:32
